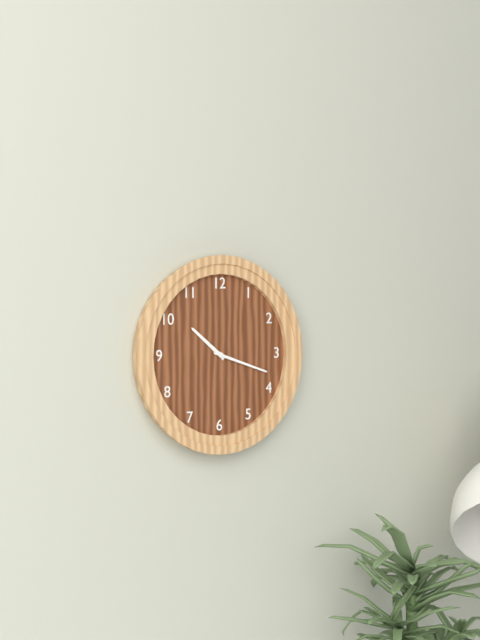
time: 10:18
